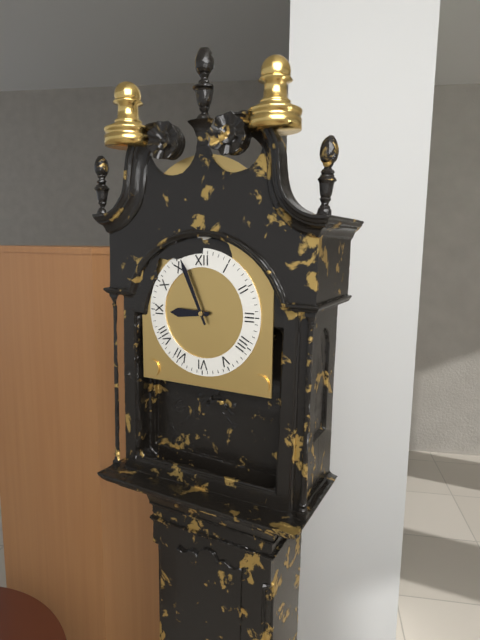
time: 8:56
